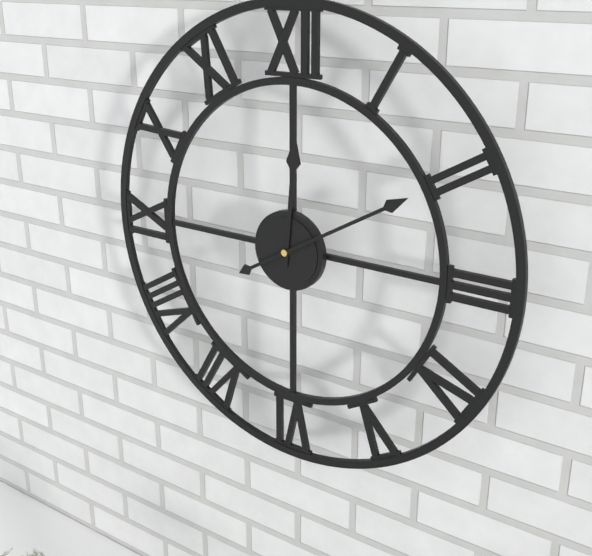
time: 12:10
